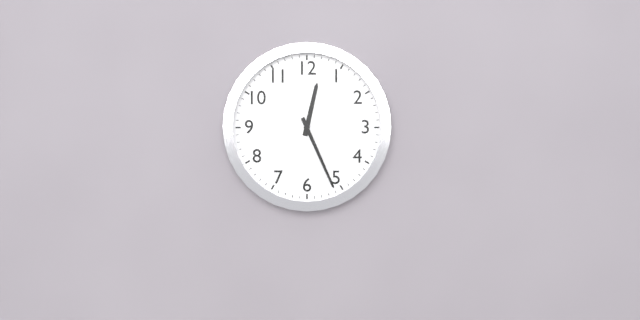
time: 12:26
